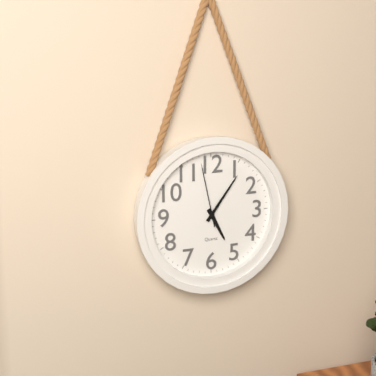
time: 5:06:58
